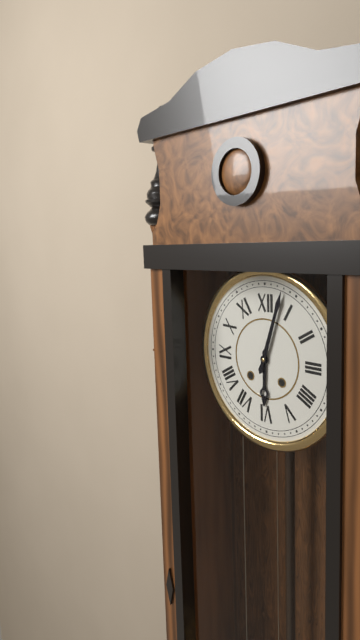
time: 6:03
